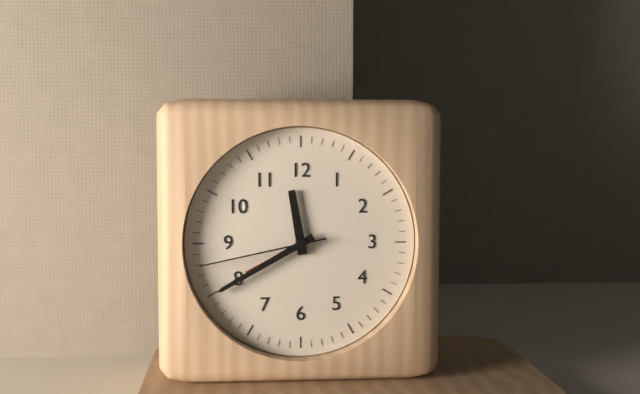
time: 11:40:43
